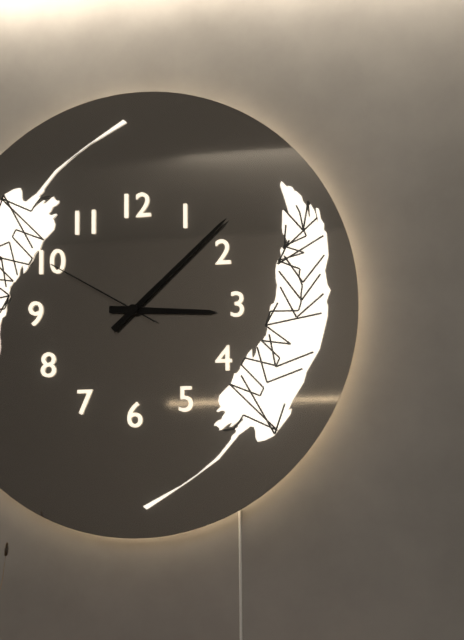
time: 3:08:50
